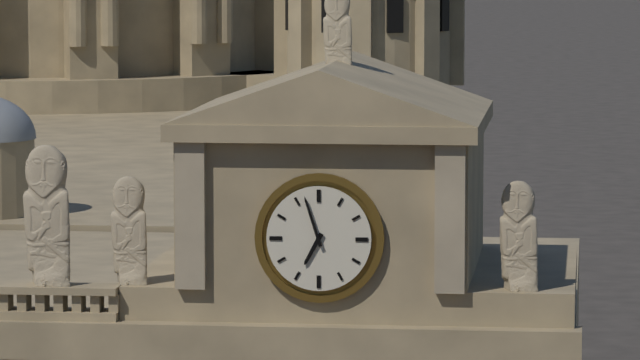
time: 6:57
